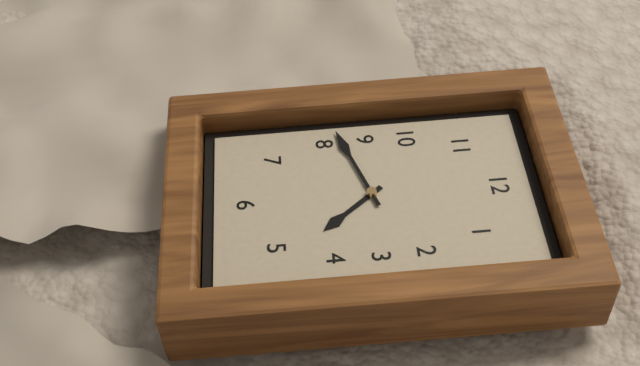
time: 4:42
